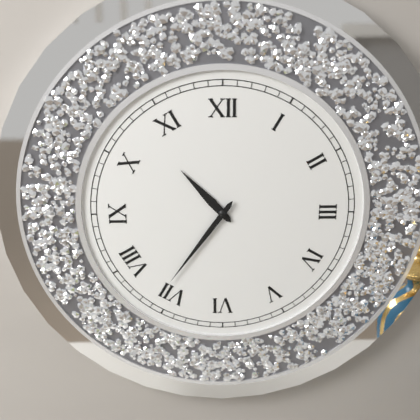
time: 10:36
